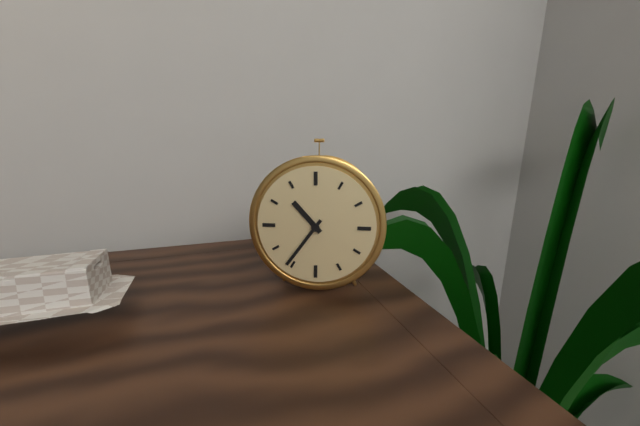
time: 10:36
